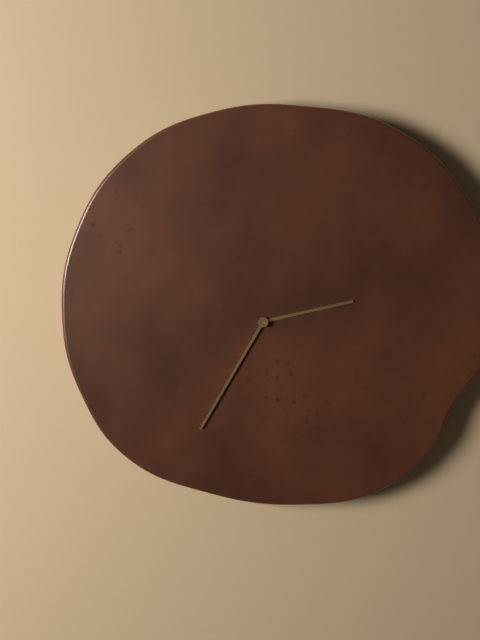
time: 2:35
